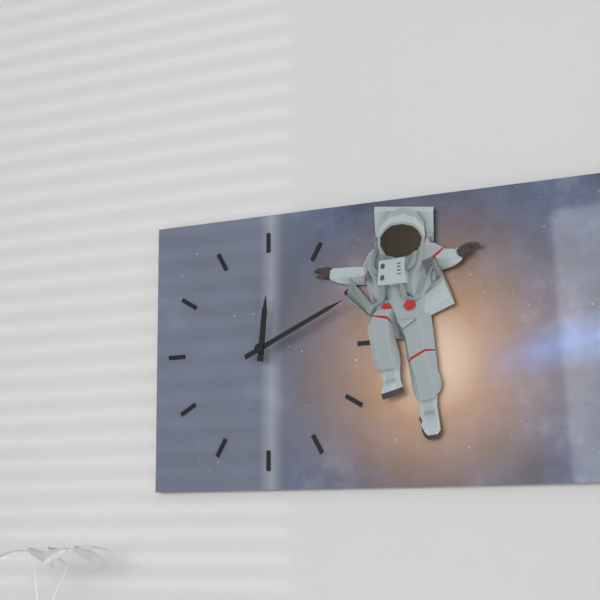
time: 12:11
